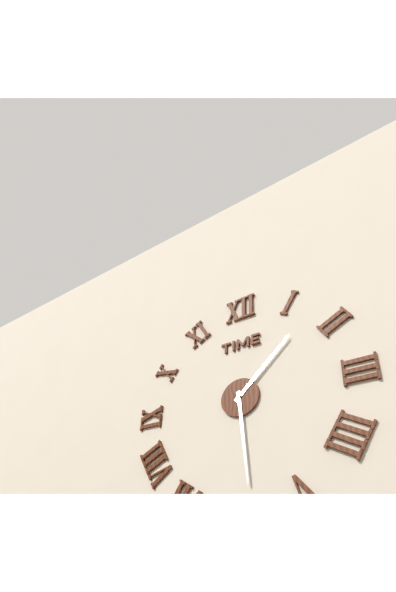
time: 1:29
